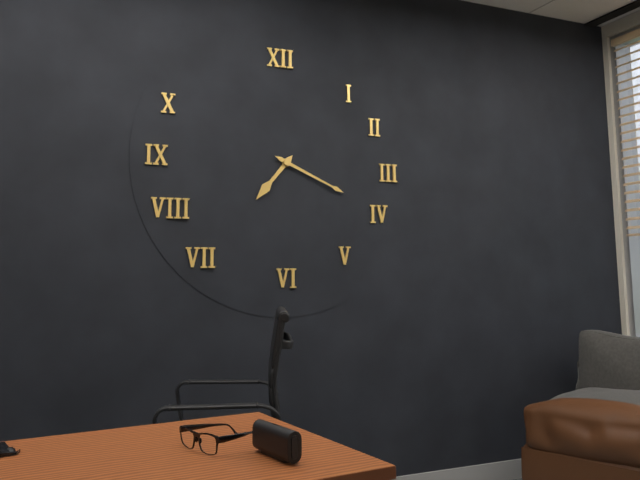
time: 7:19
